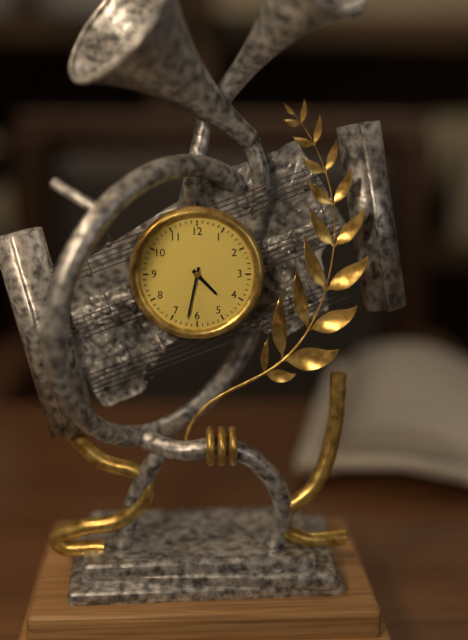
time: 4:32
